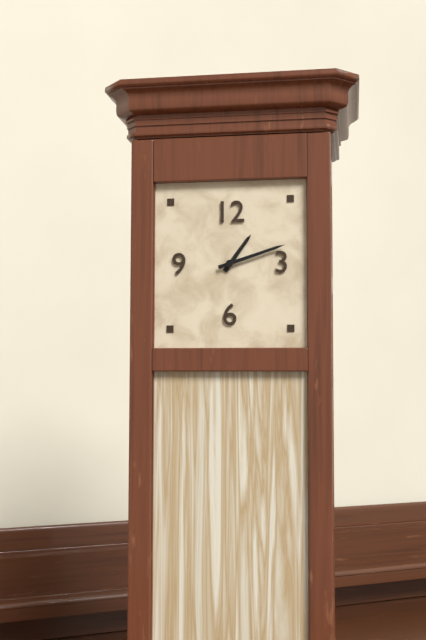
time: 1:12
